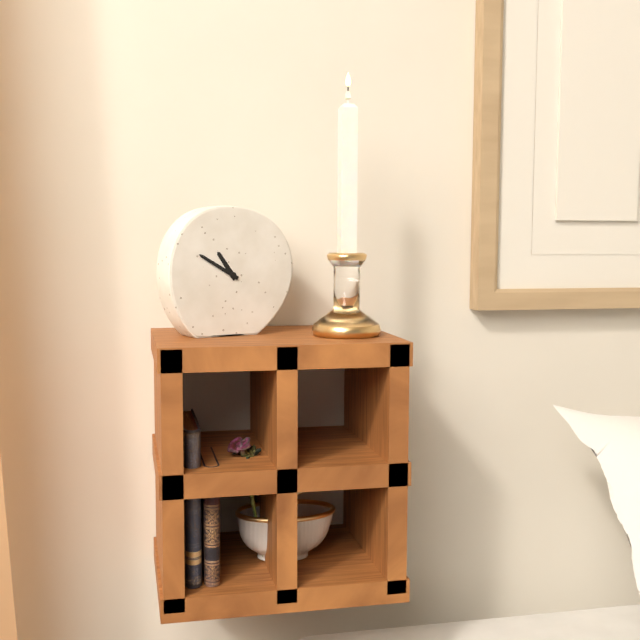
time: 10:50
